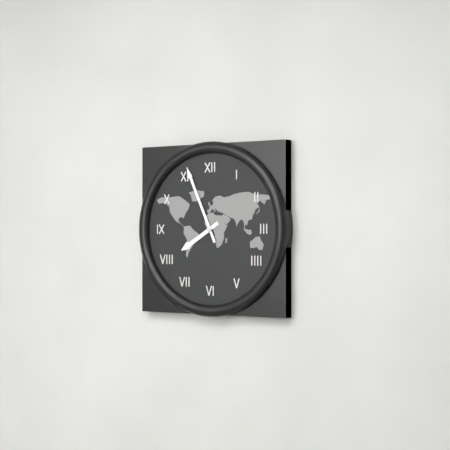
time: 7:56
